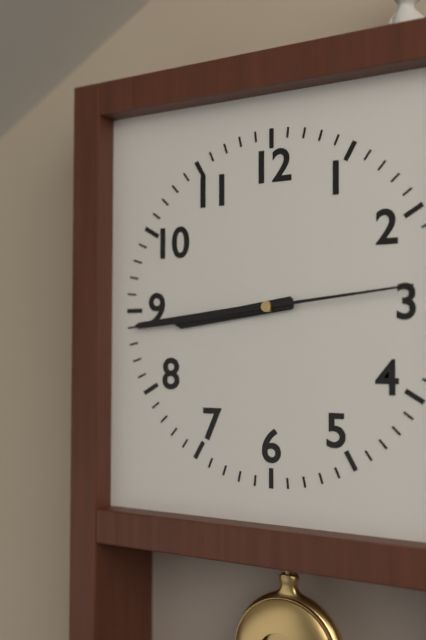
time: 8:44:14
